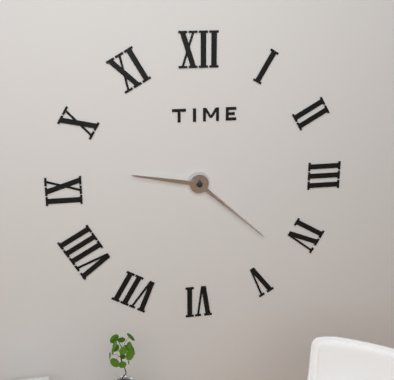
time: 9:22
